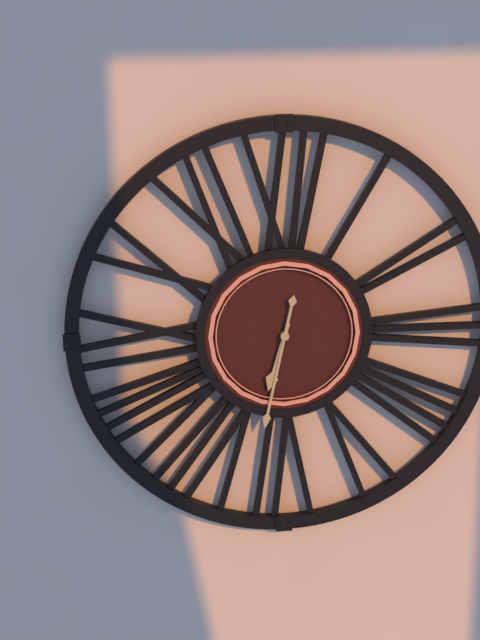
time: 6:32
